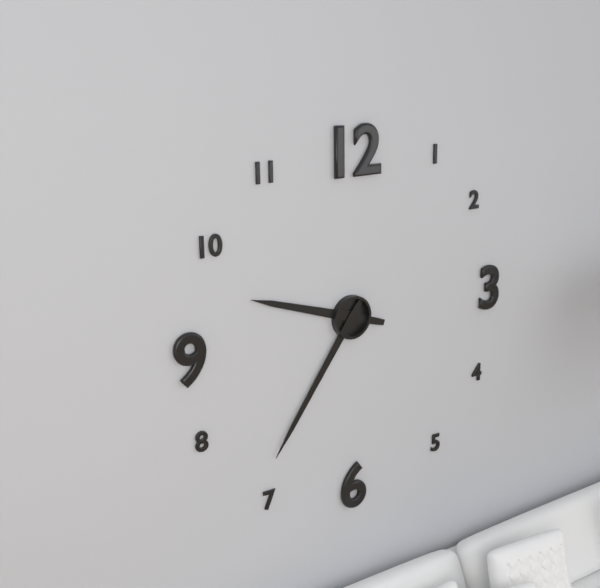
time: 9:36
